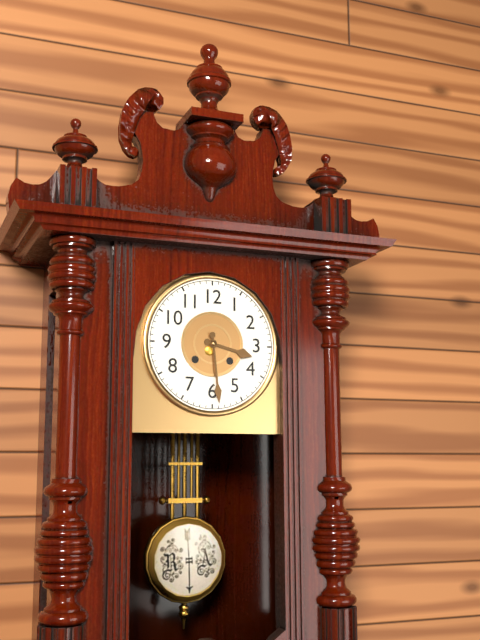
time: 3:29
